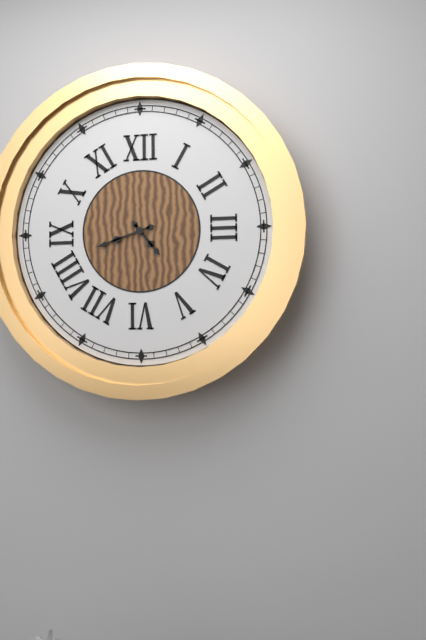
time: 4:42
